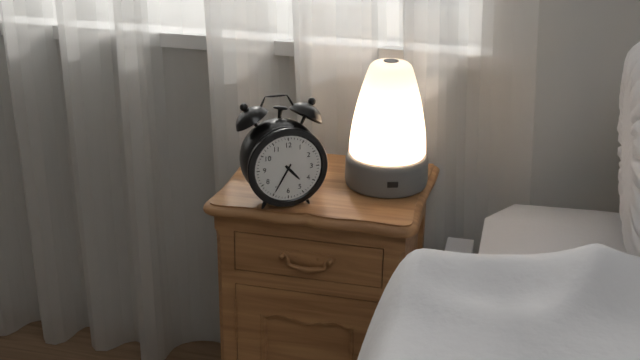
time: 4:35
